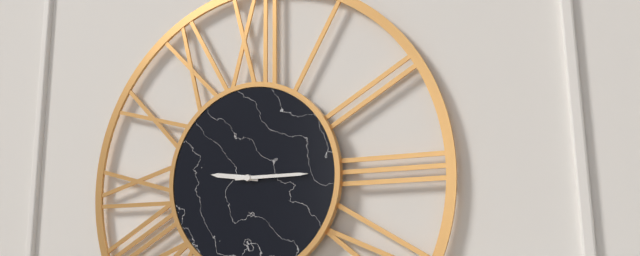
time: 9:15
